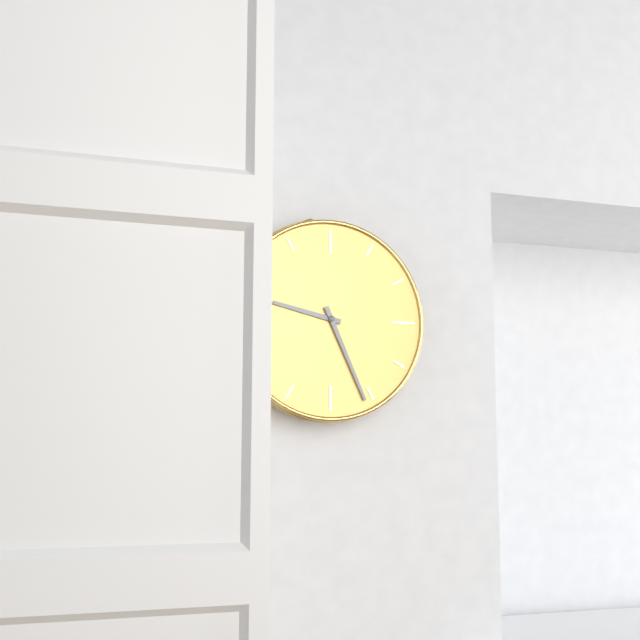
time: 9:26
